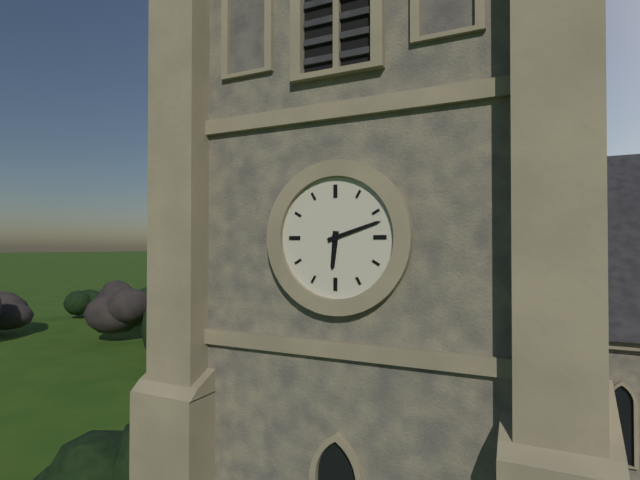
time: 6:12
